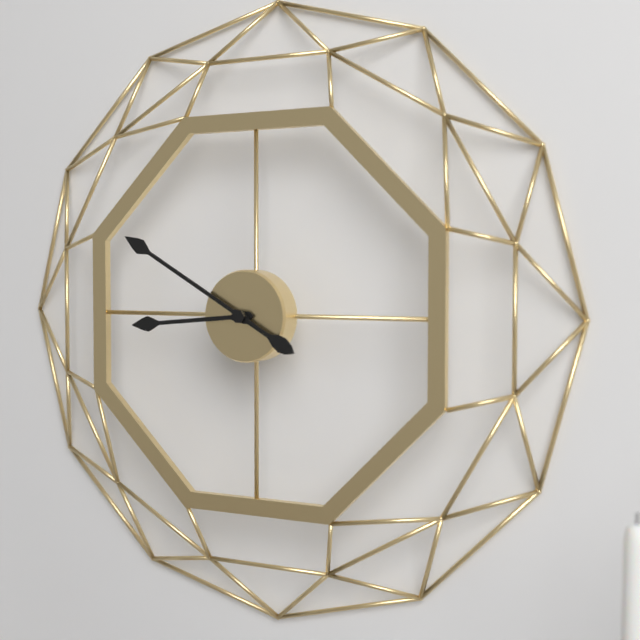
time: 8:50
